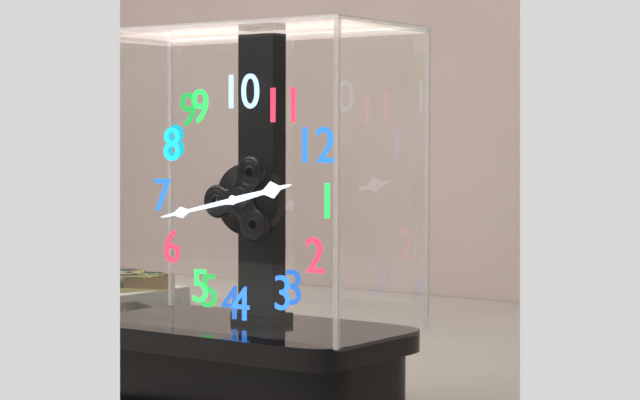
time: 12:33
